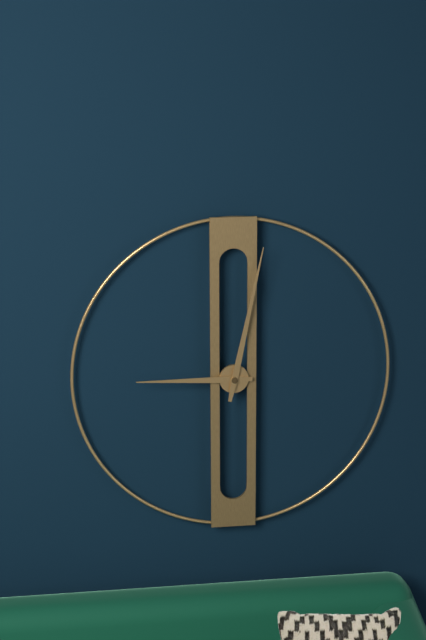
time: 9:02
